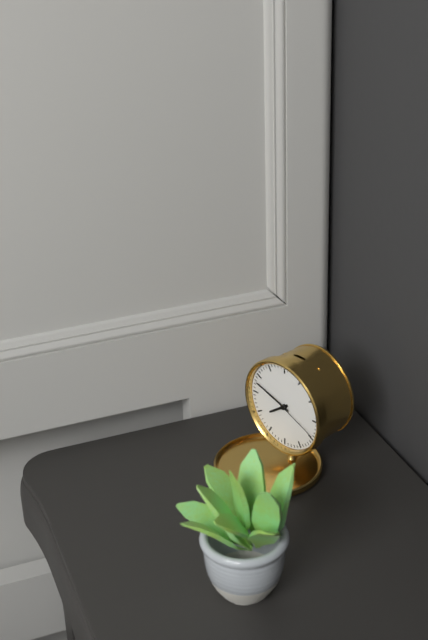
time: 7:48:19
